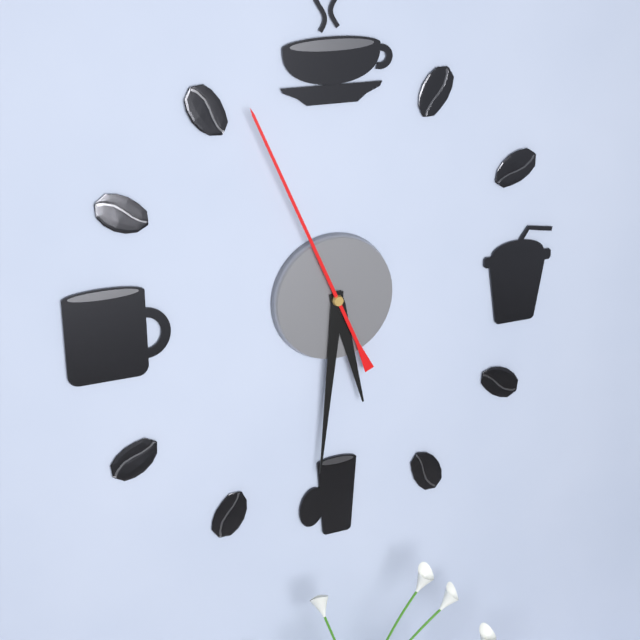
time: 5:31:56
